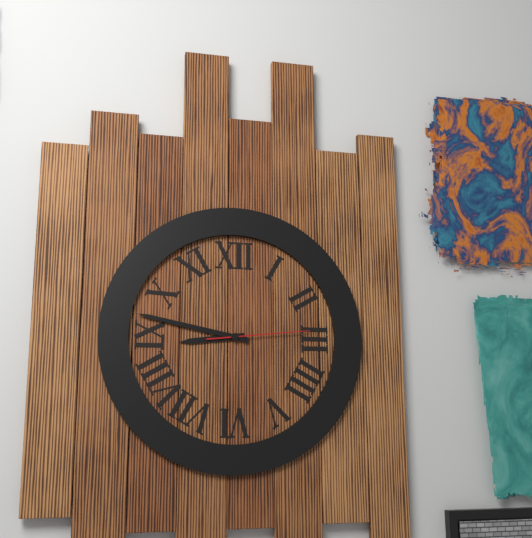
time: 8:47:14
